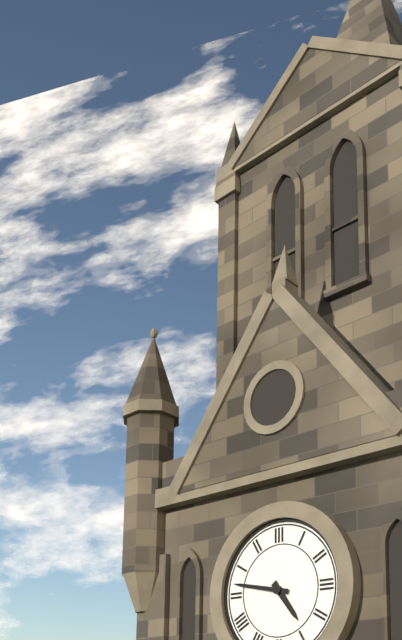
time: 4:47
